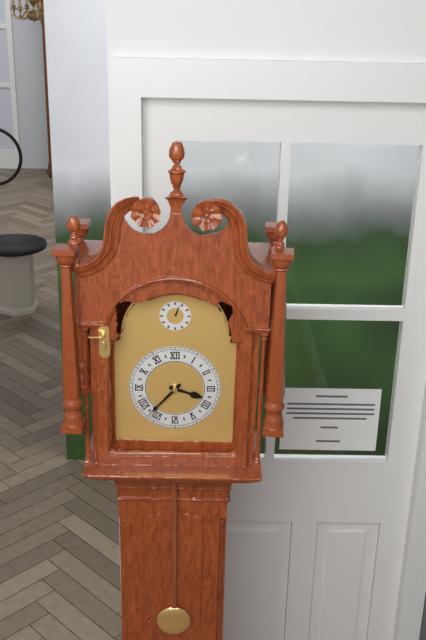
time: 3:37
